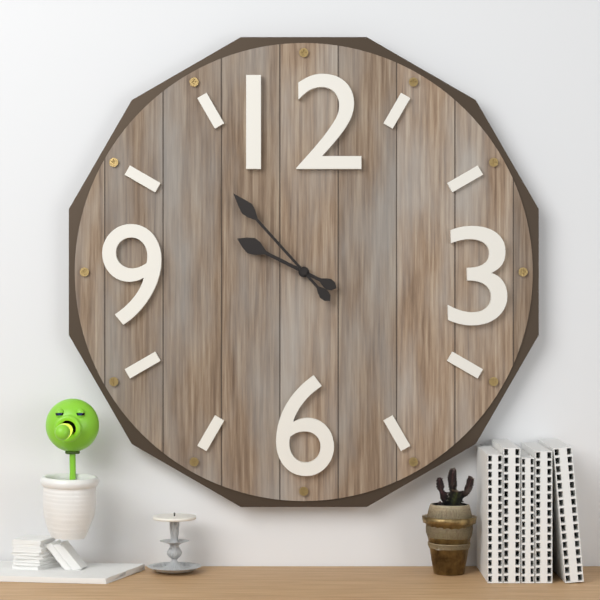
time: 9:53
